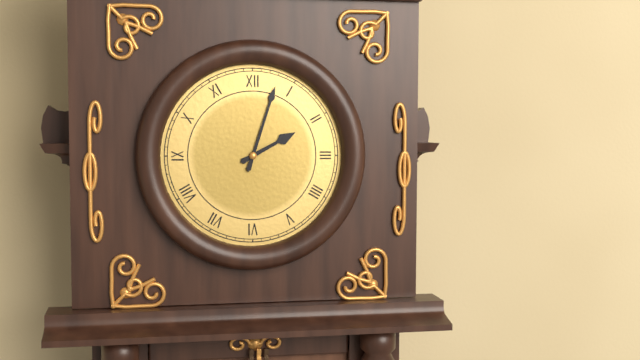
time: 2:03
